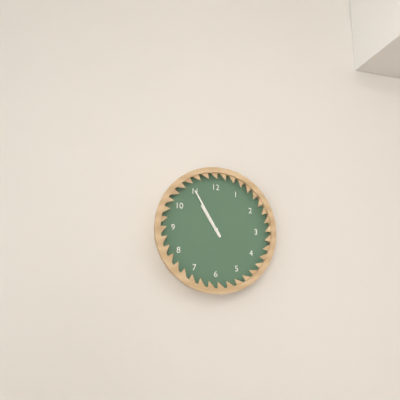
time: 10:55
